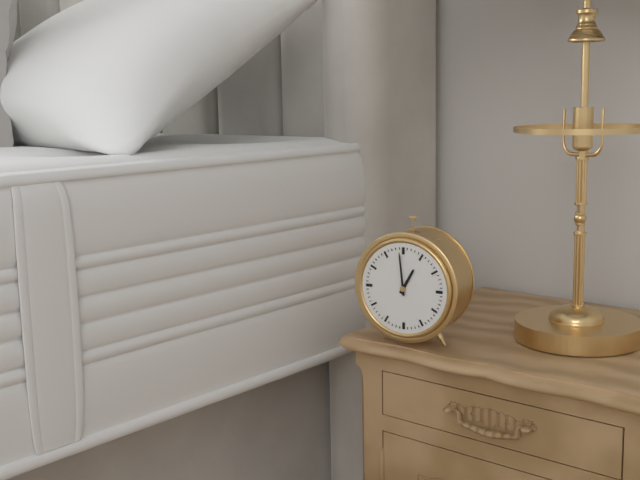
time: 12:59
